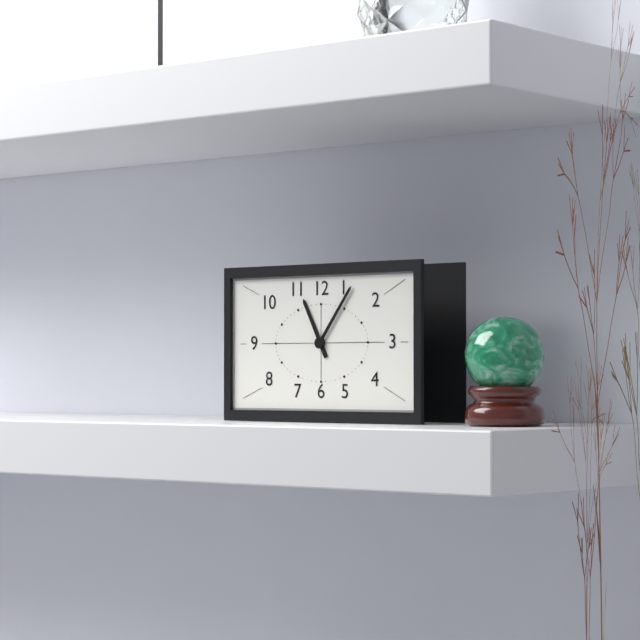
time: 11:06
